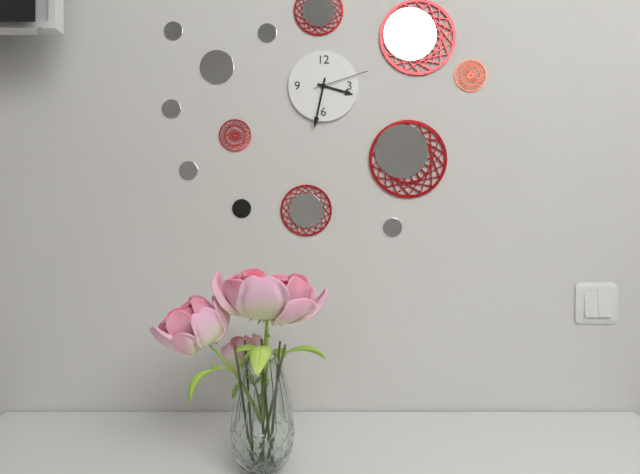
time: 3:32:12
